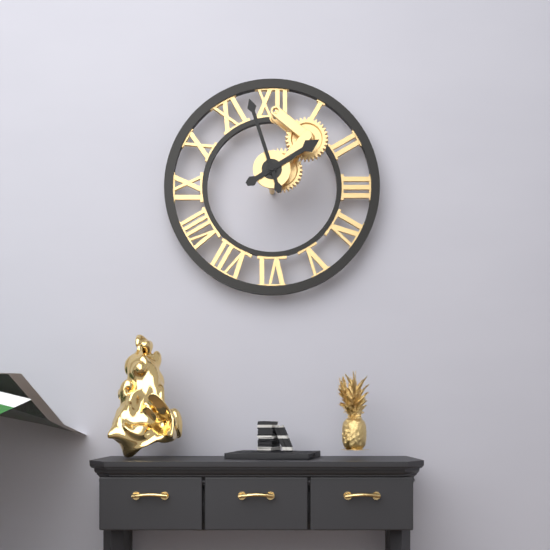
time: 1:57
